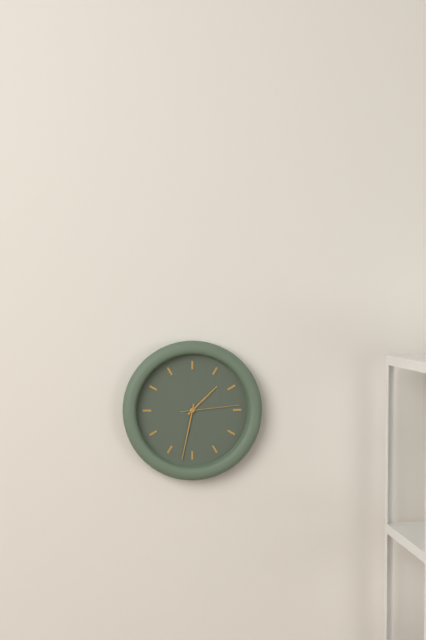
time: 1:32:14
